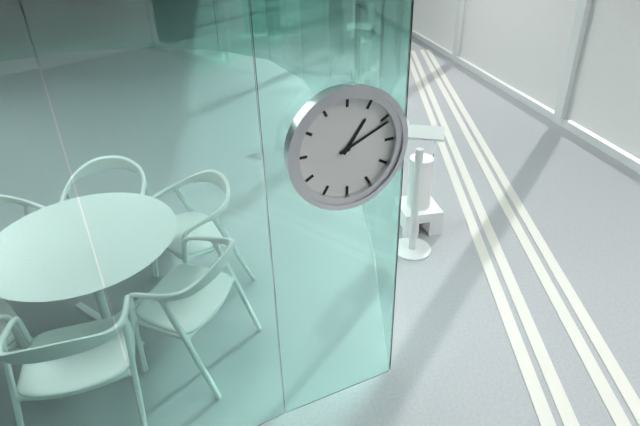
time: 1:11
